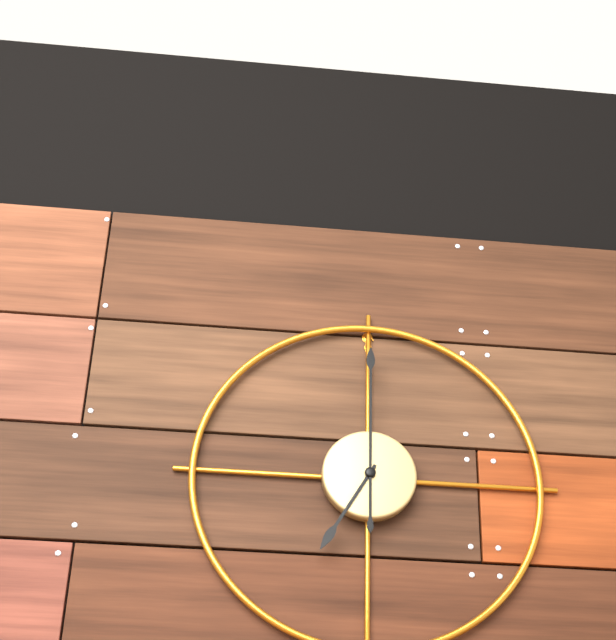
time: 7:00
